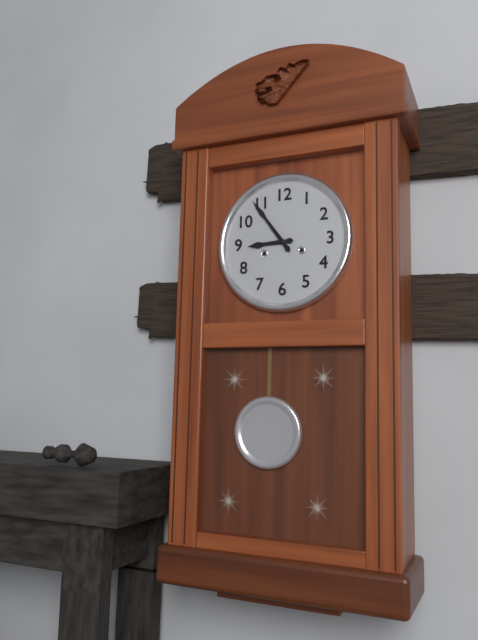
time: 8:54
